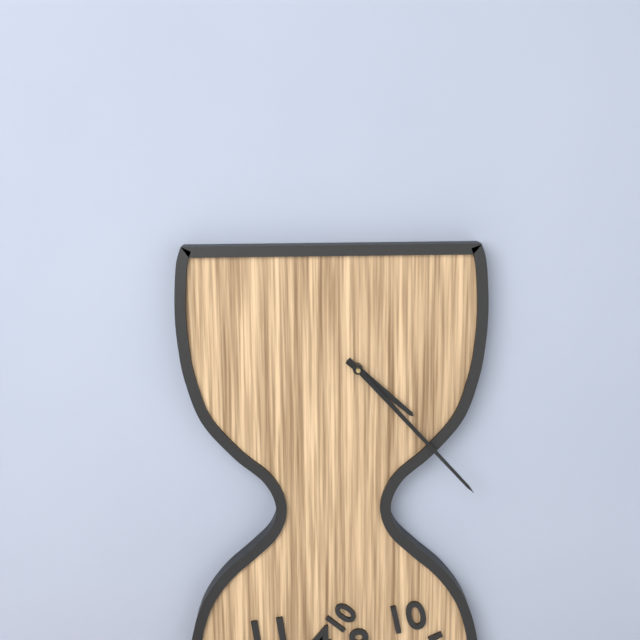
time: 4:23
